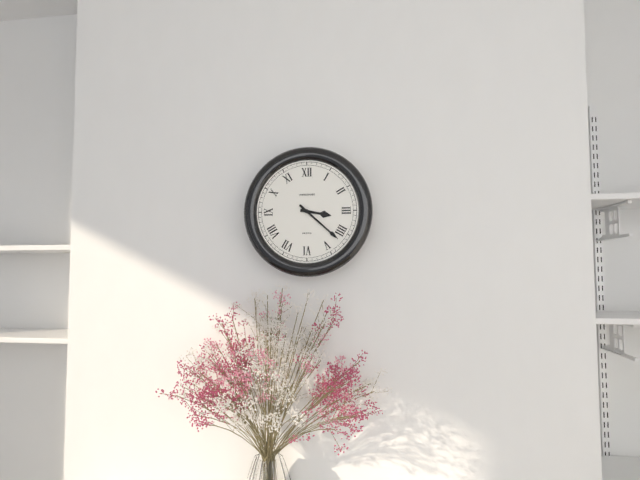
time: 3:22
